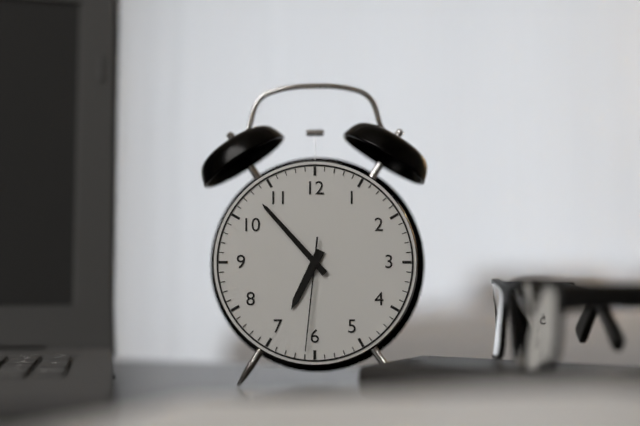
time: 6:53:31
